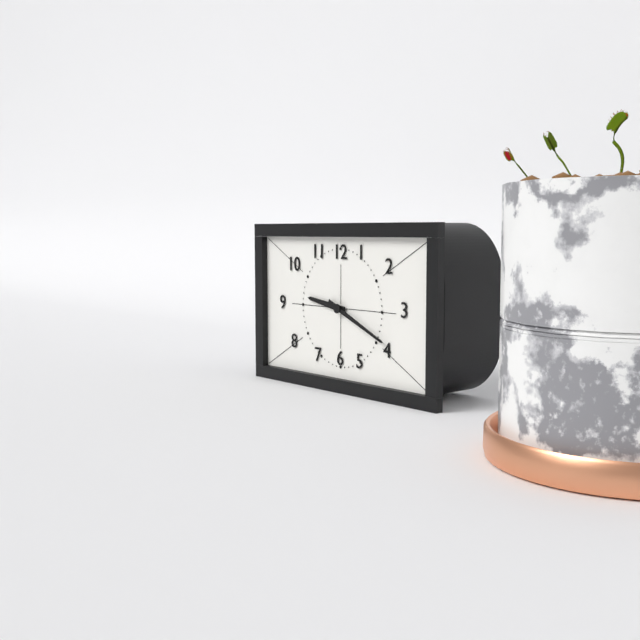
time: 9:19
